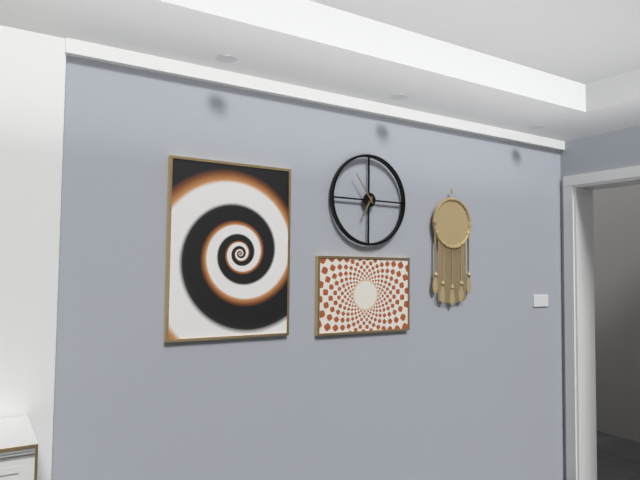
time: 6:54
